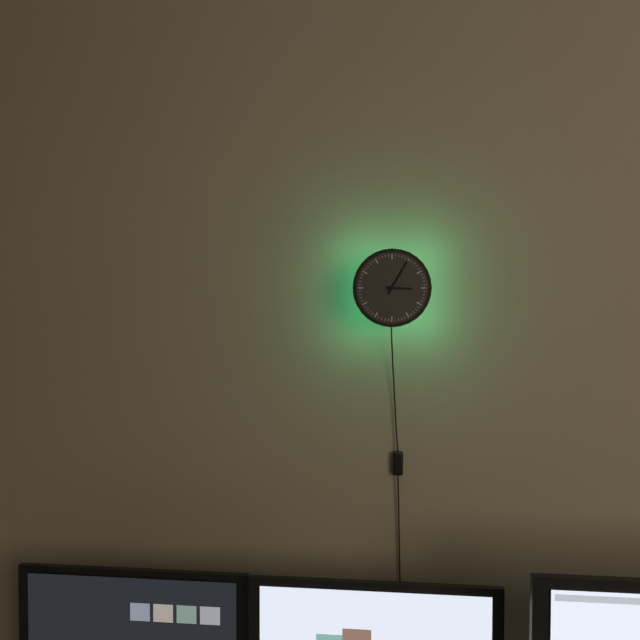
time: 3:05
